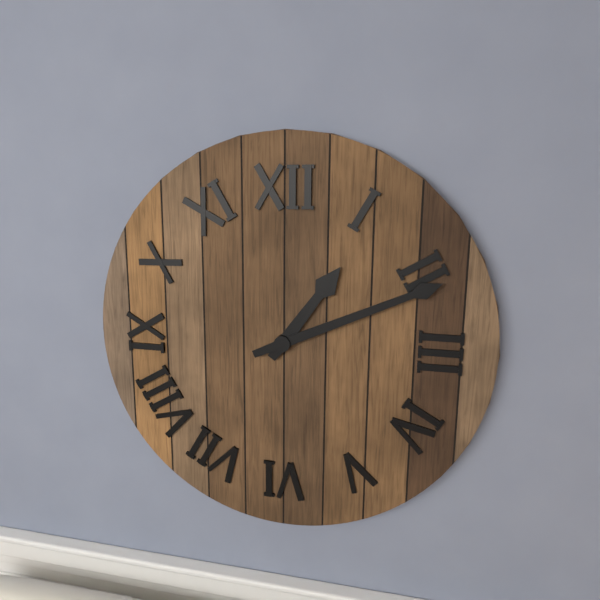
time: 1:11
